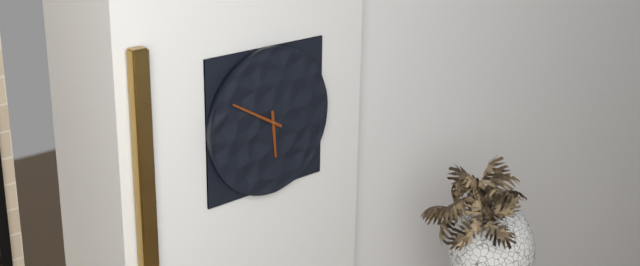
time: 5:50
